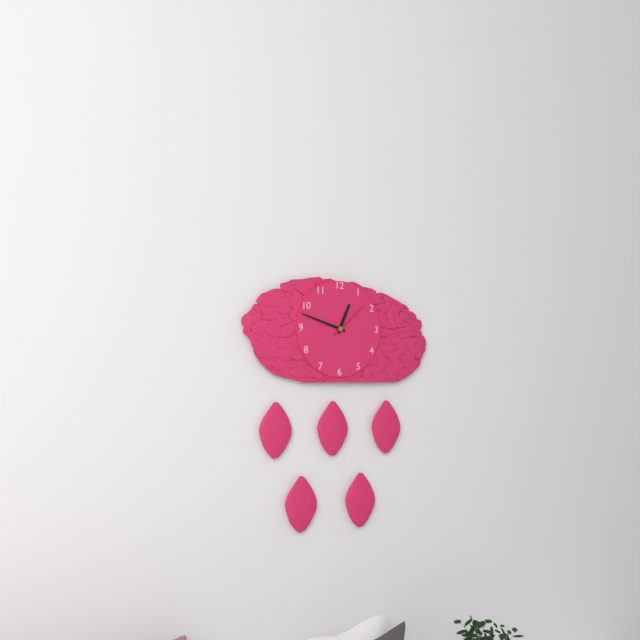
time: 12:48
